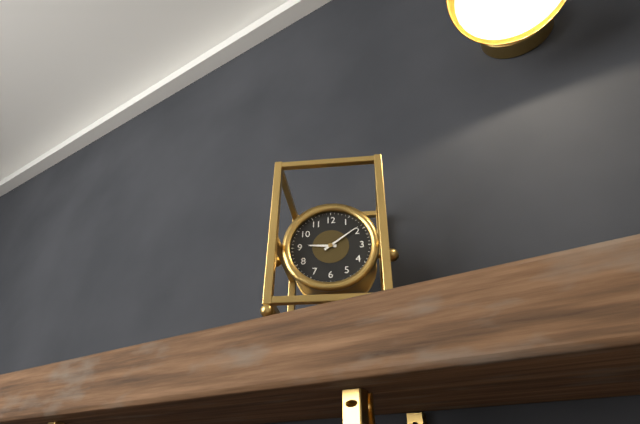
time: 9:09
